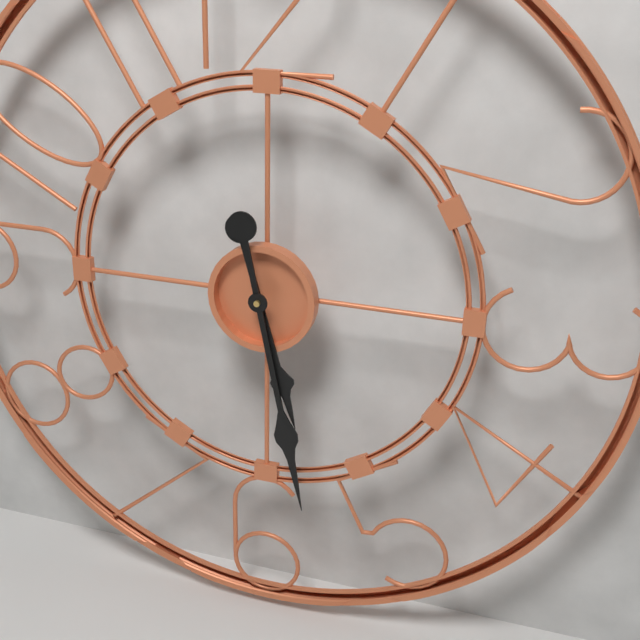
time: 5:28
